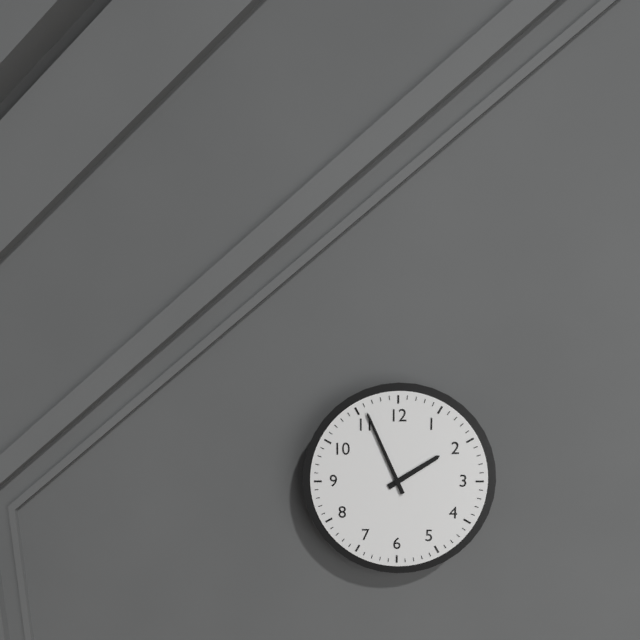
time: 1:56
